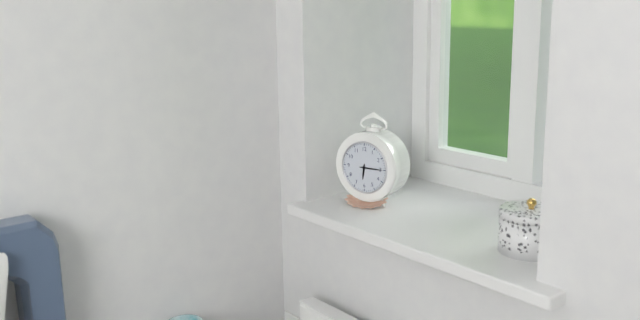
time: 6:15
